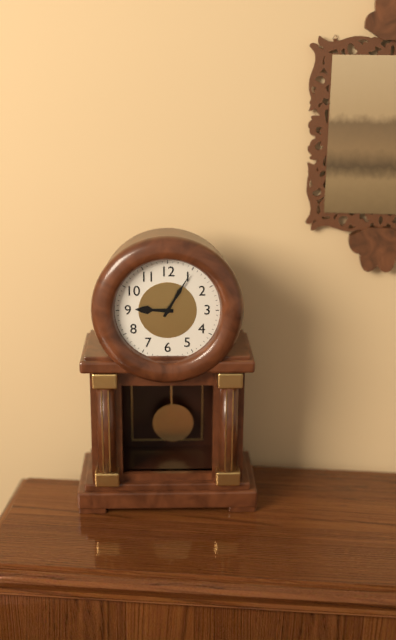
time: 9:05
